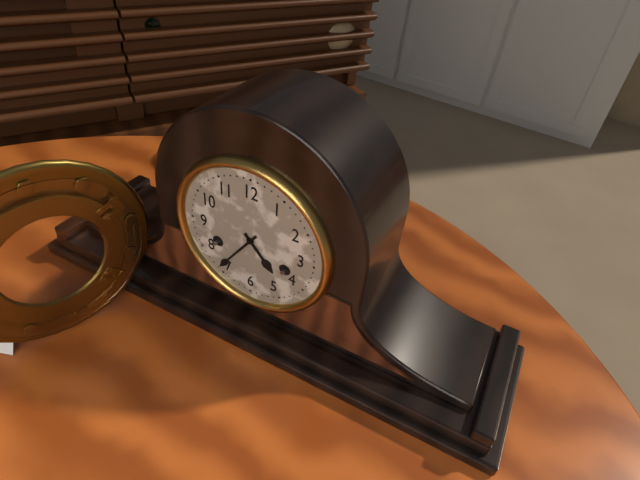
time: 4:36
